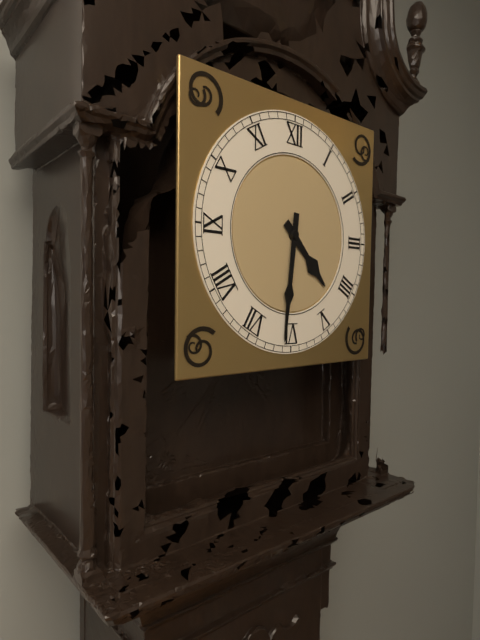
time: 4:31
